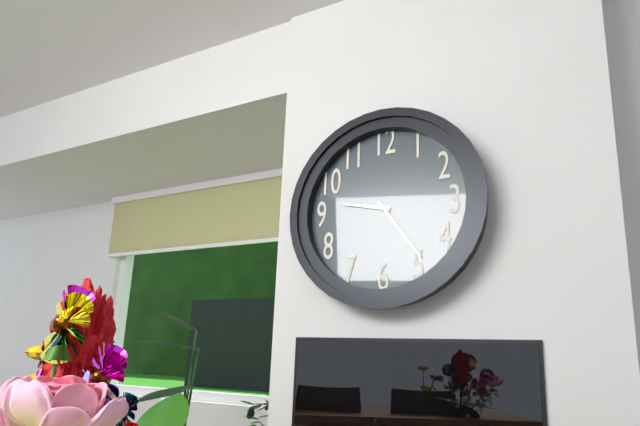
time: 9:24
